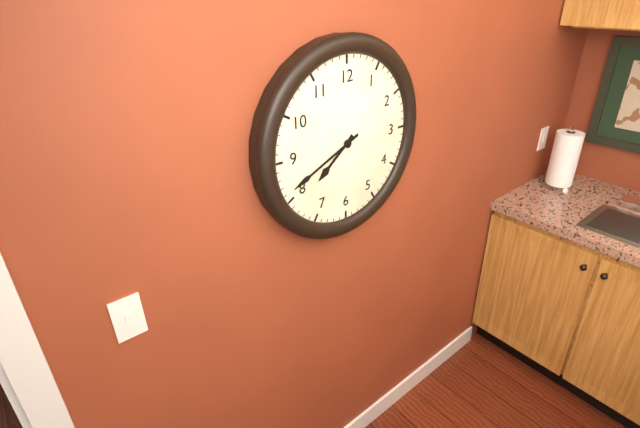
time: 7:41
